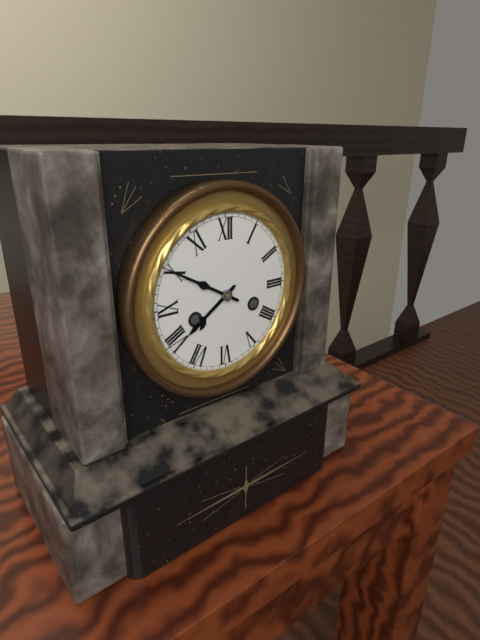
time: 7:50
